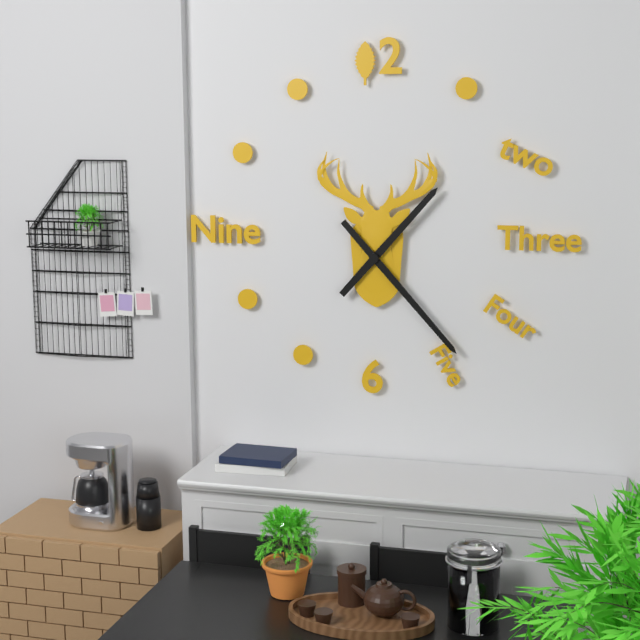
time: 1:23
